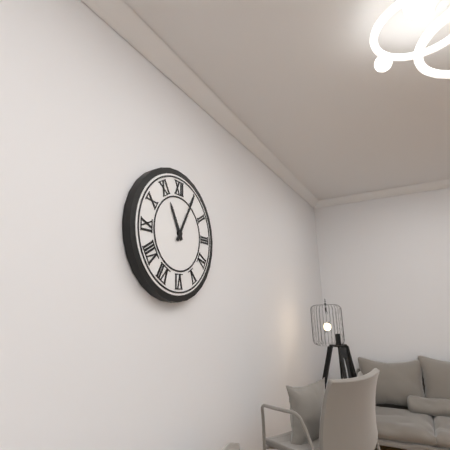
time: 11:05
